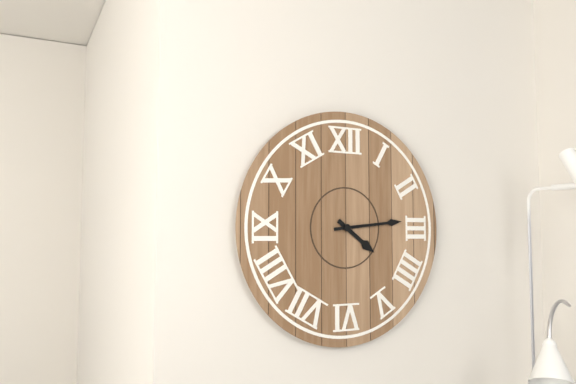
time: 4:14
